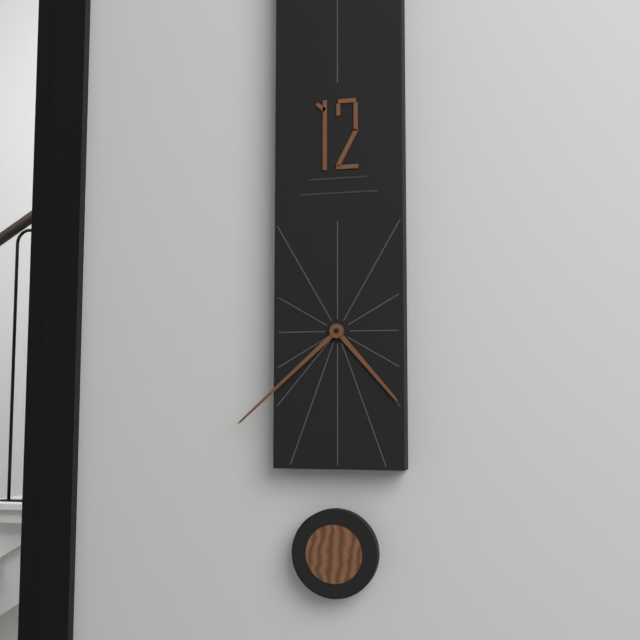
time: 4:38
